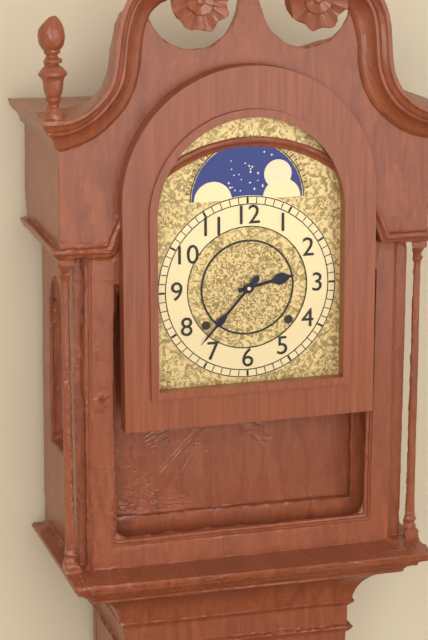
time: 2:37
